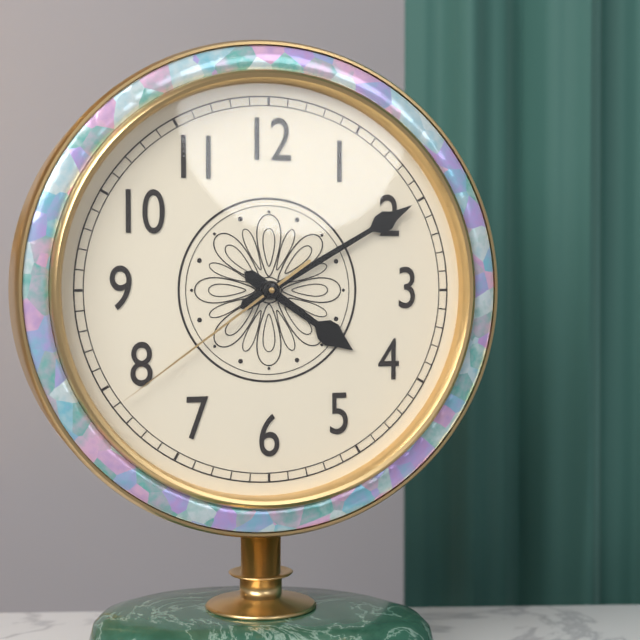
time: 4:10:39
